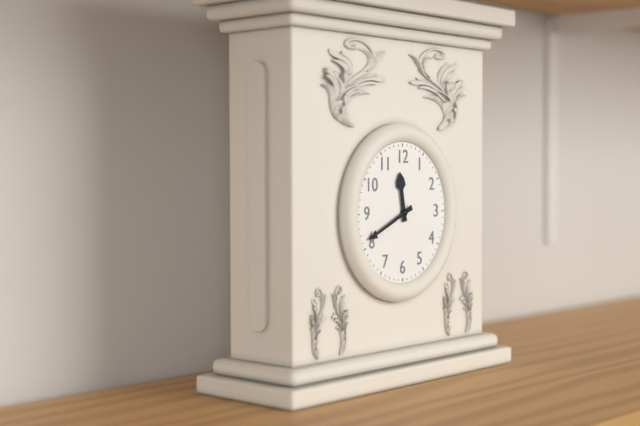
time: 11:41
